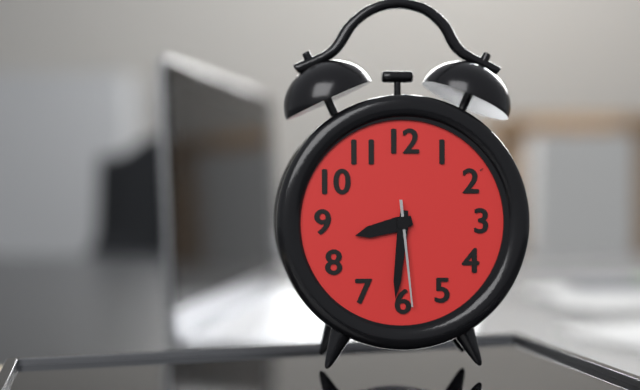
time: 8:31:29
